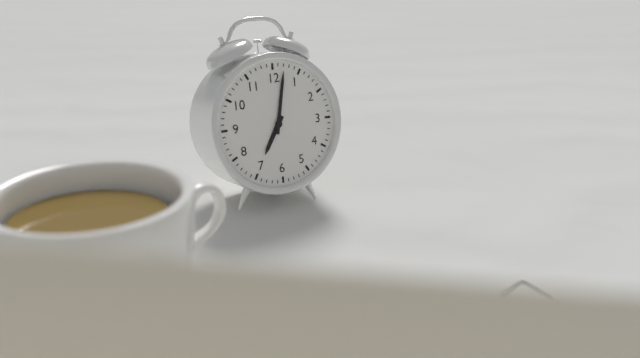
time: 7:02
